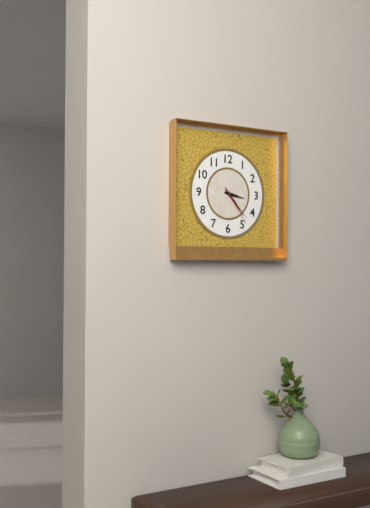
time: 3:23
